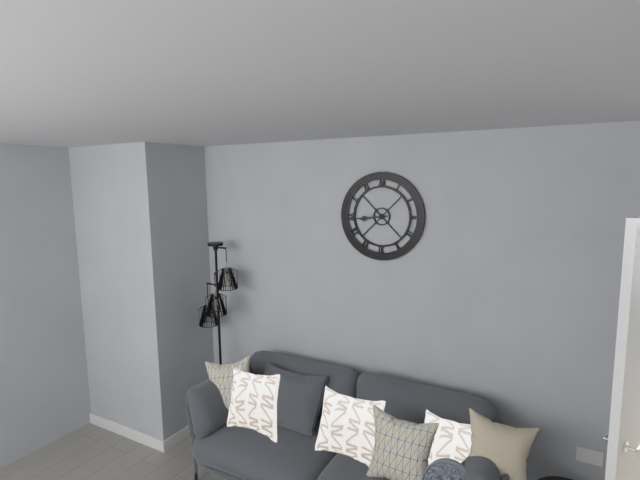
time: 8:44
